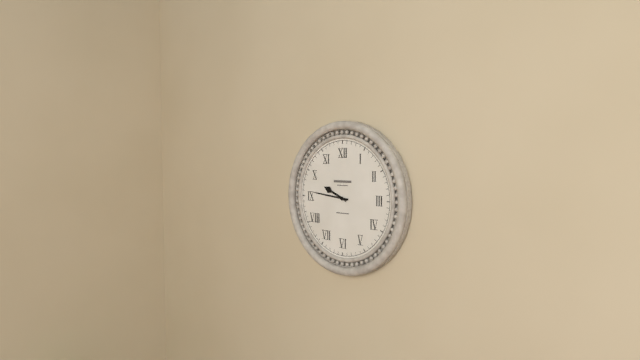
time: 9:46
